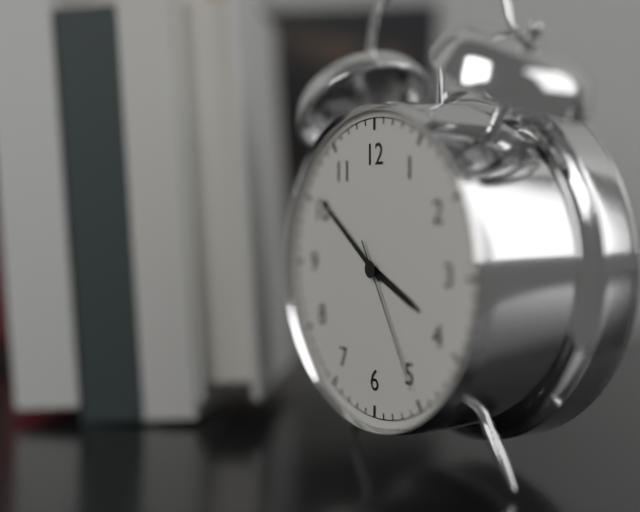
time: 3:51:25
